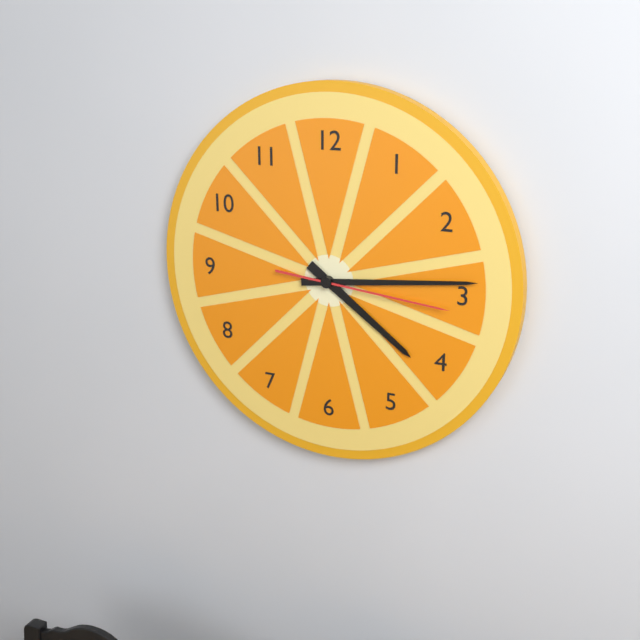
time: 4:14:16
